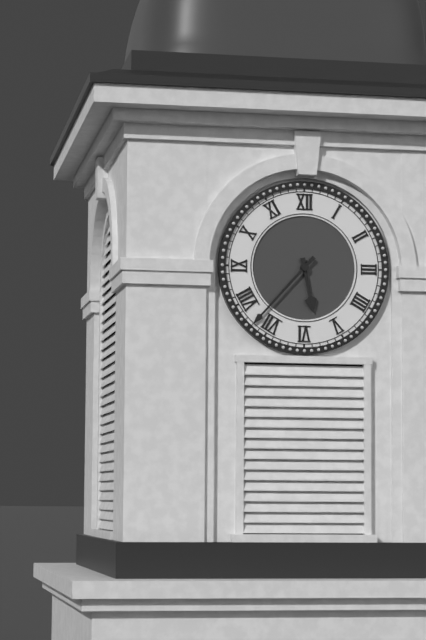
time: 5:37
